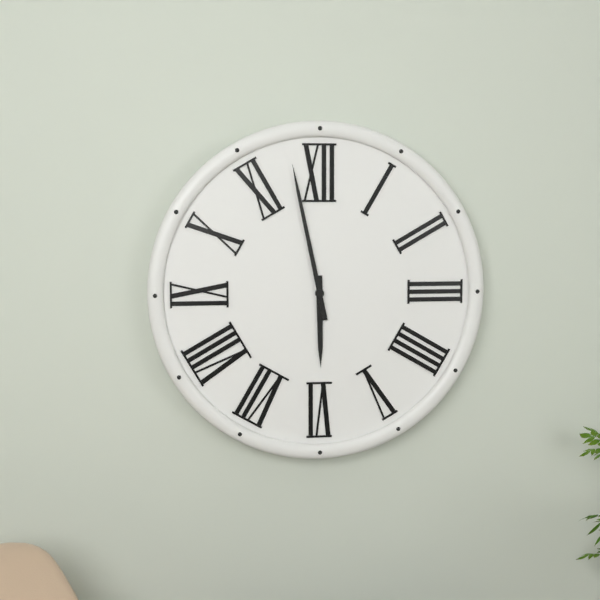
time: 5:58
